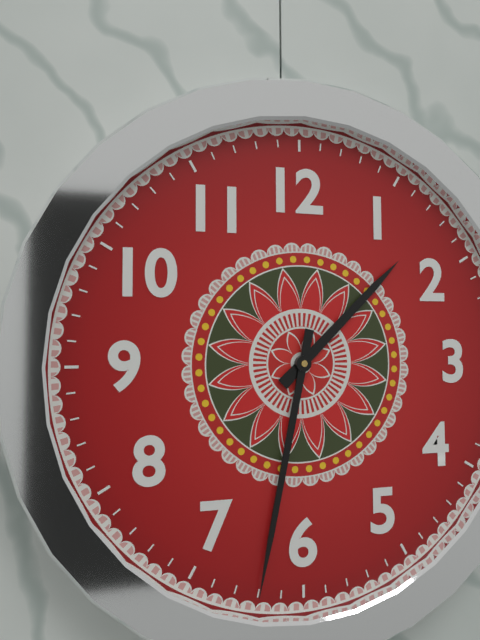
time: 1:32
